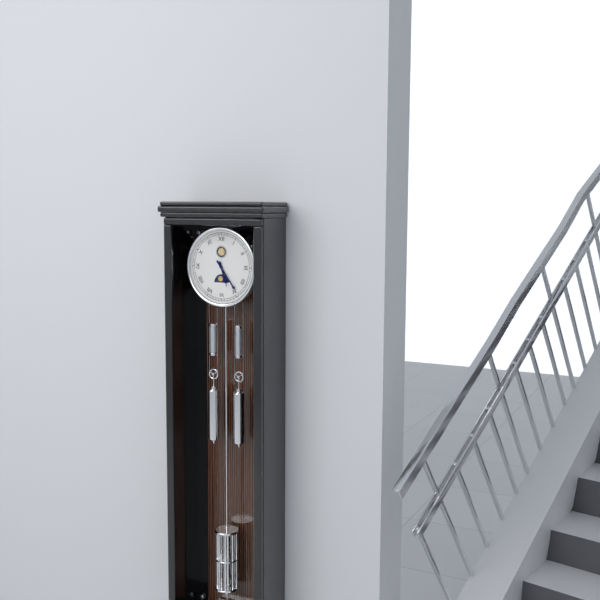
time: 5:24
